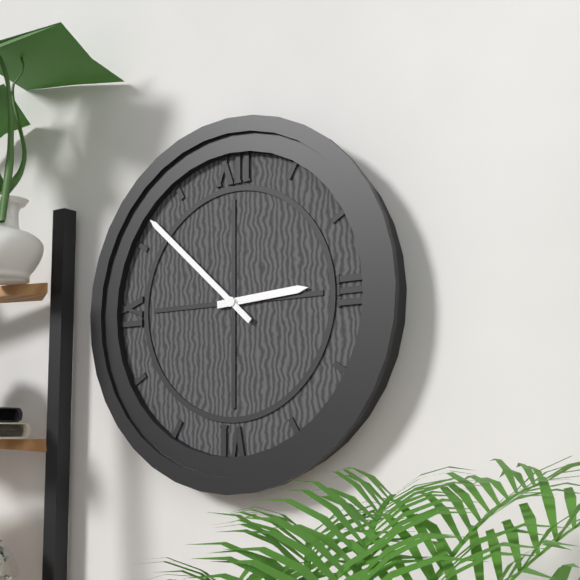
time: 2:52
